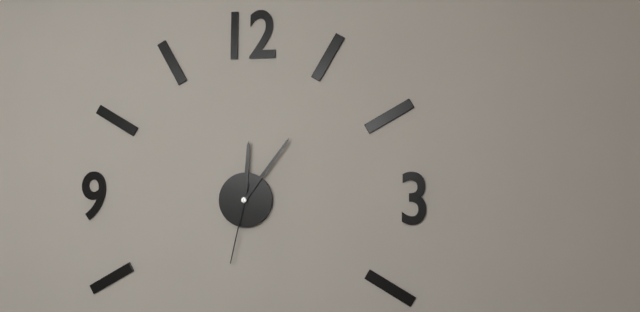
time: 12:06:32
